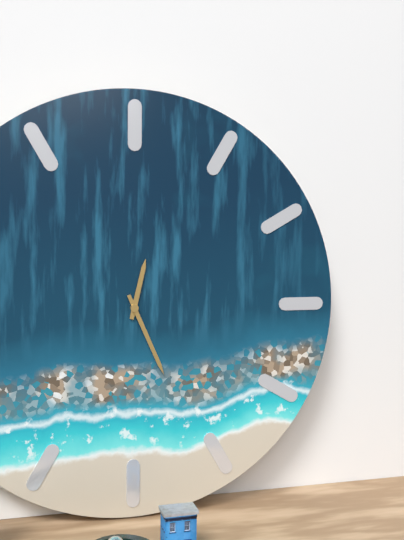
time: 12:26
